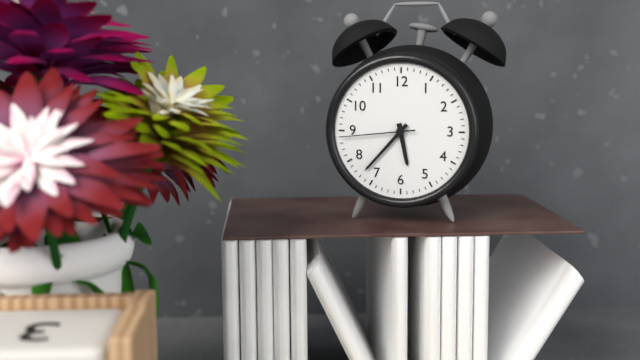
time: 5:37:44
